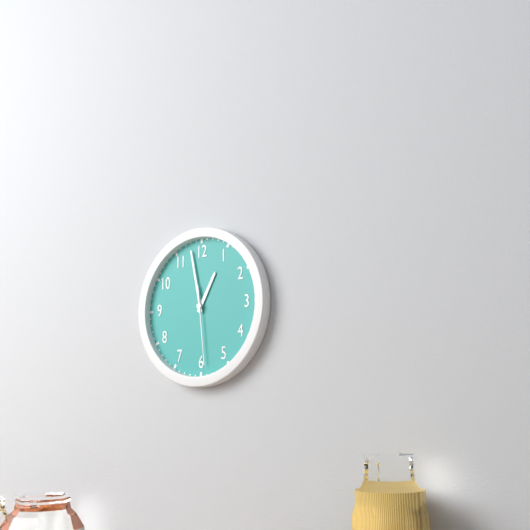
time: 12:58:29
